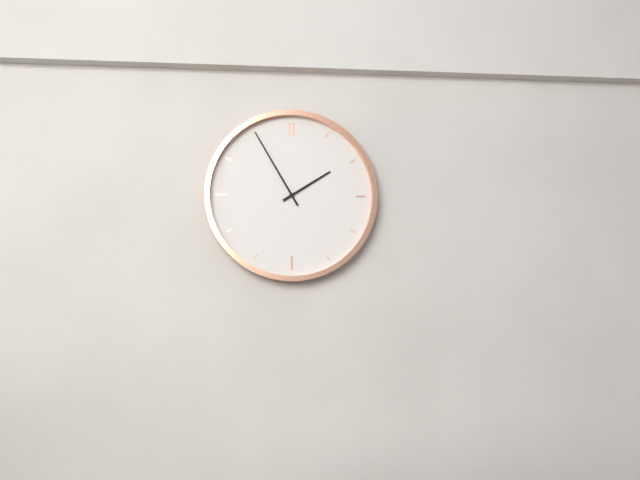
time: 1:55
